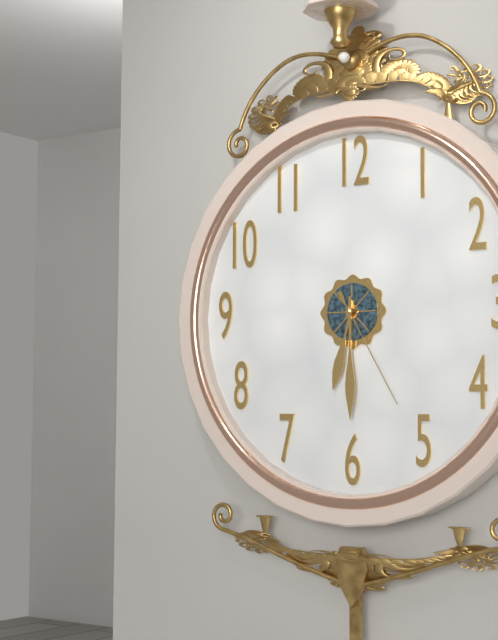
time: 6:30:25
